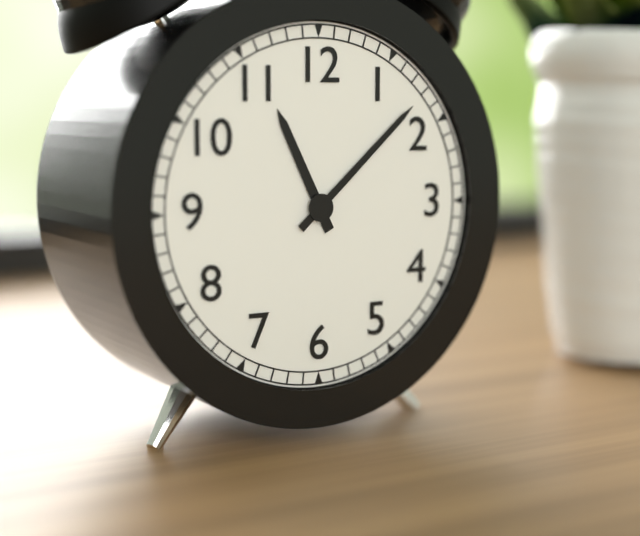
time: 11:08
